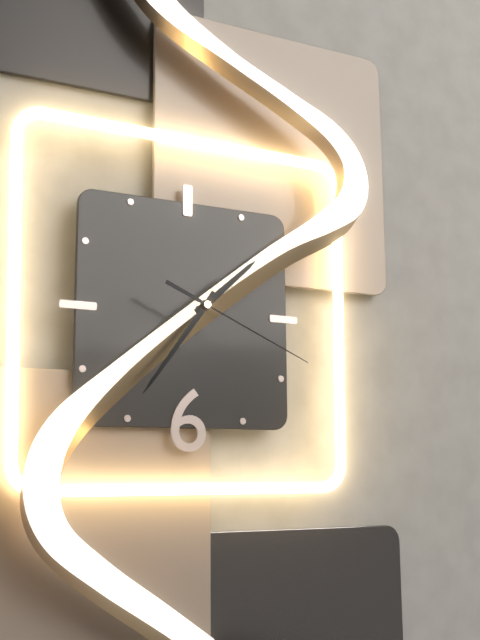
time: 1:36:19
